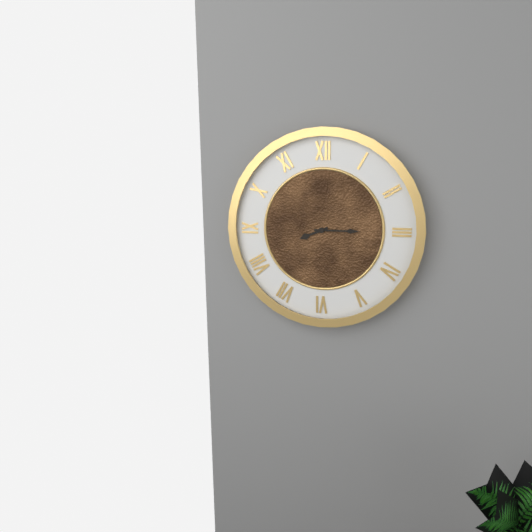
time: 8:15
